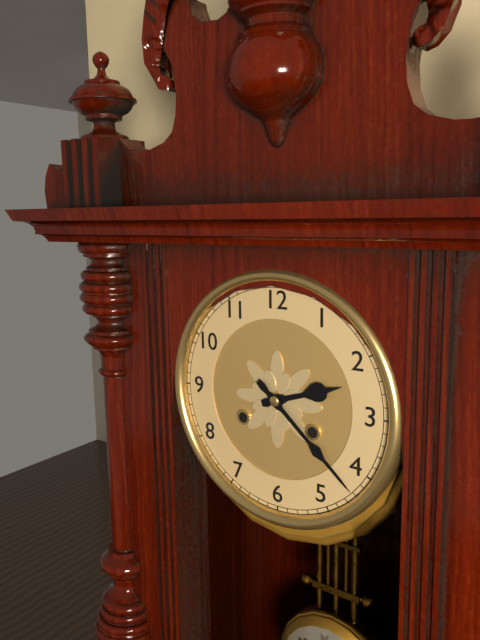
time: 2:22
